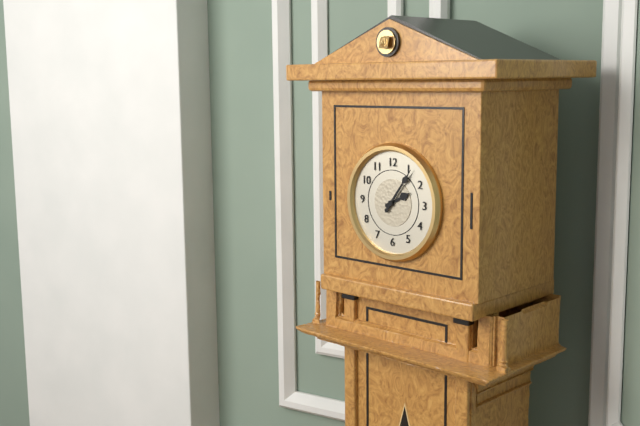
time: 2:06
